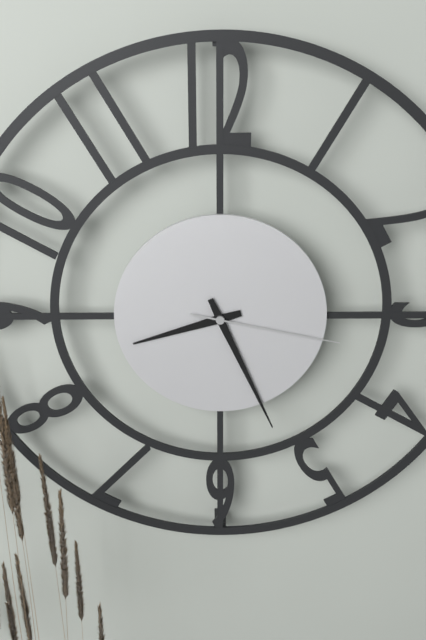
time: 8:26:17
